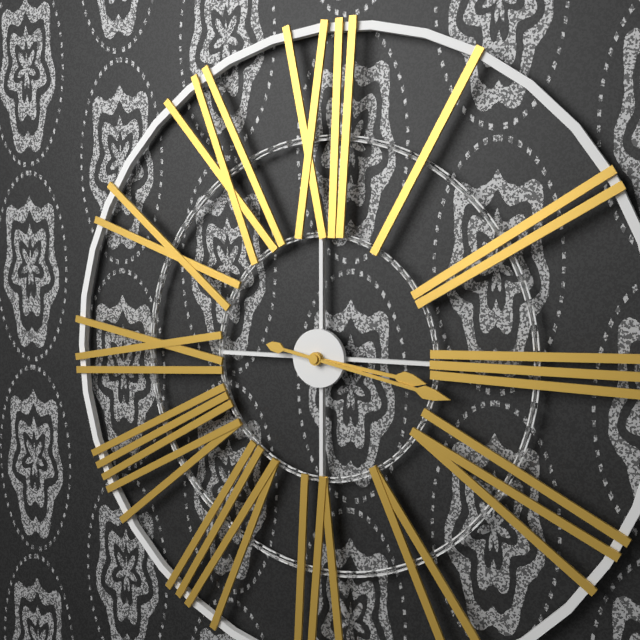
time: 3:17
